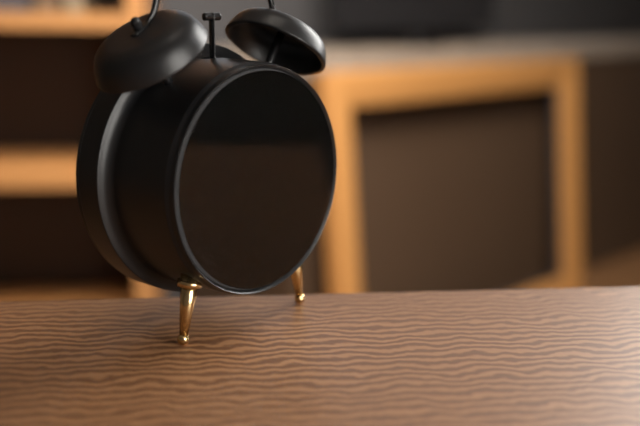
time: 1:23
